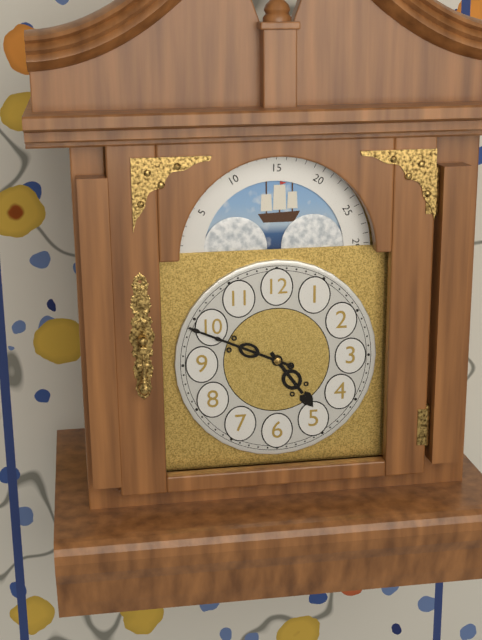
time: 4:49
